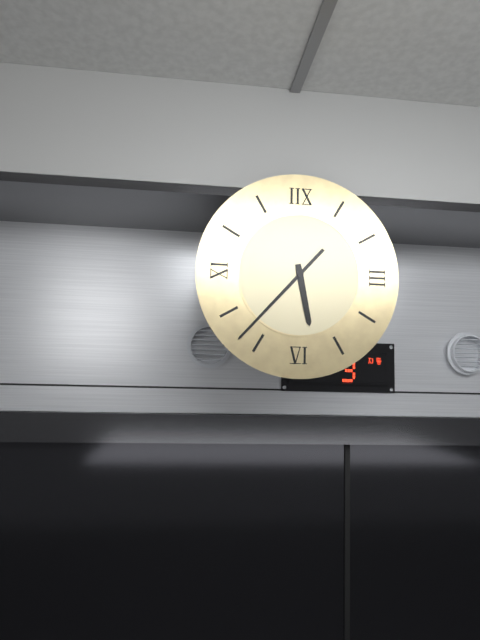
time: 5:37
